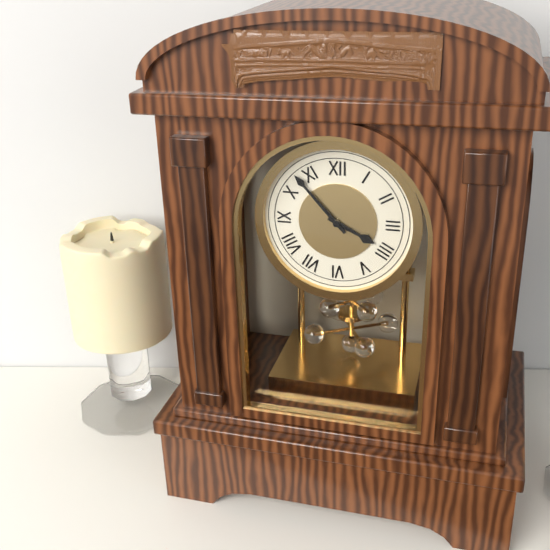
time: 3:53
